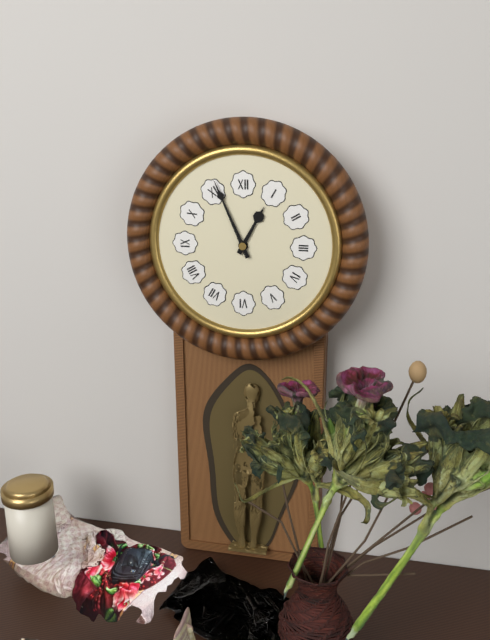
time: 12:56
